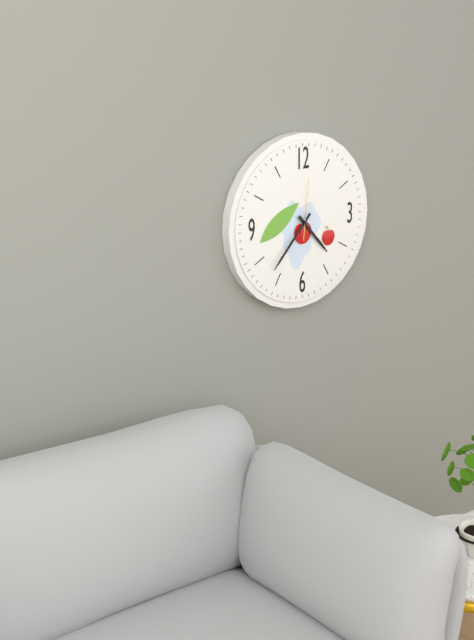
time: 4:37:01
